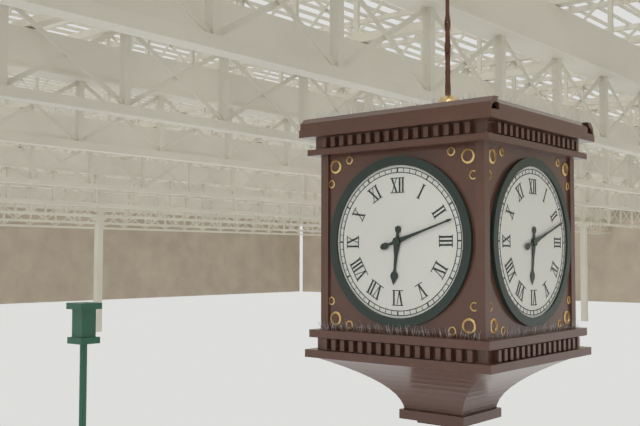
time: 6:12
